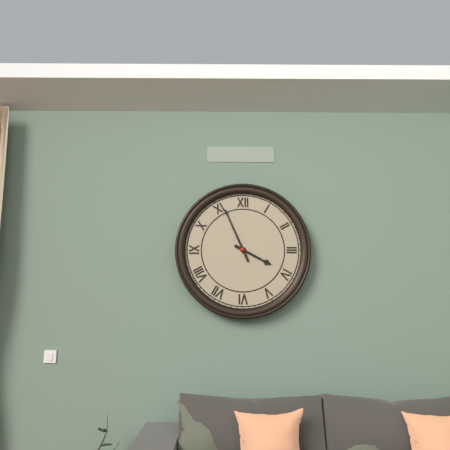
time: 3:56
